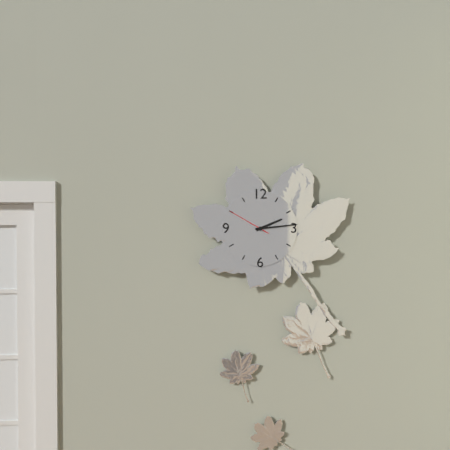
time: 2:14
